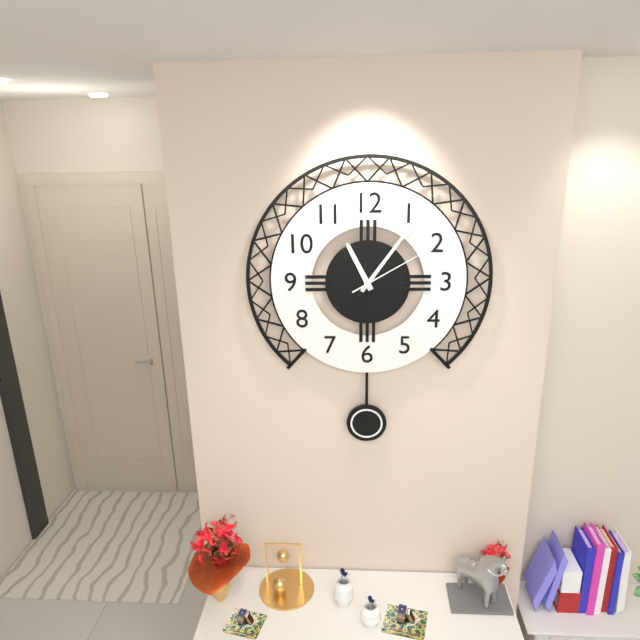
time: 11:06:10
